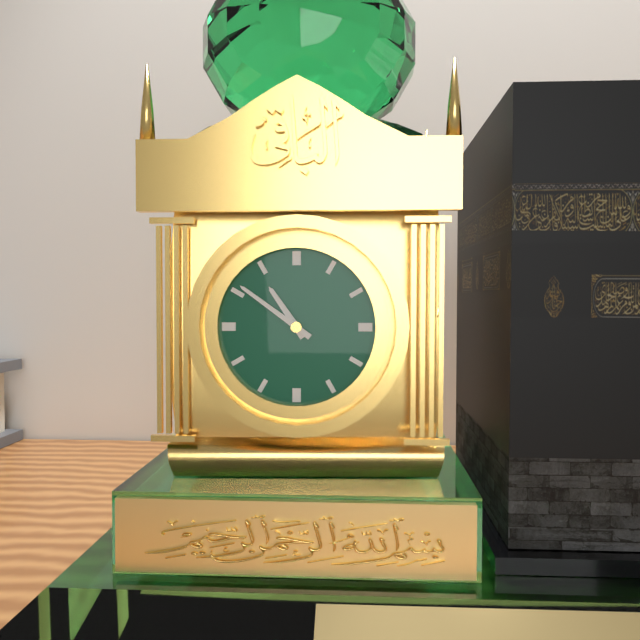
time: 10:51
